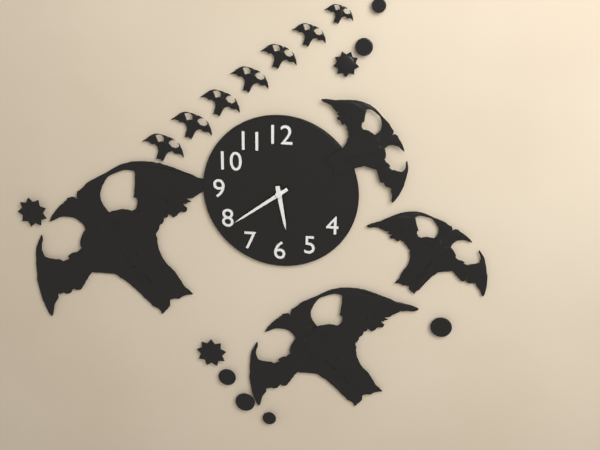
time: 5:39
